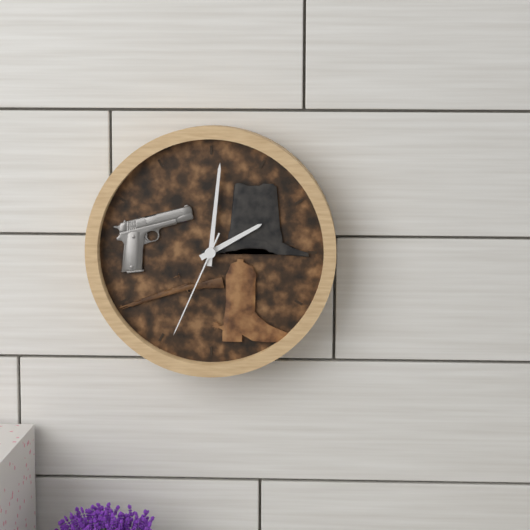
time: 2:01:34
